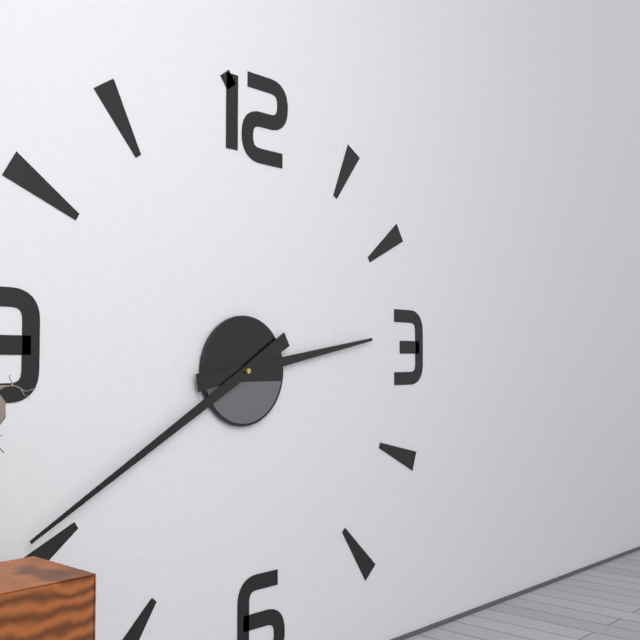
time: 2:40
